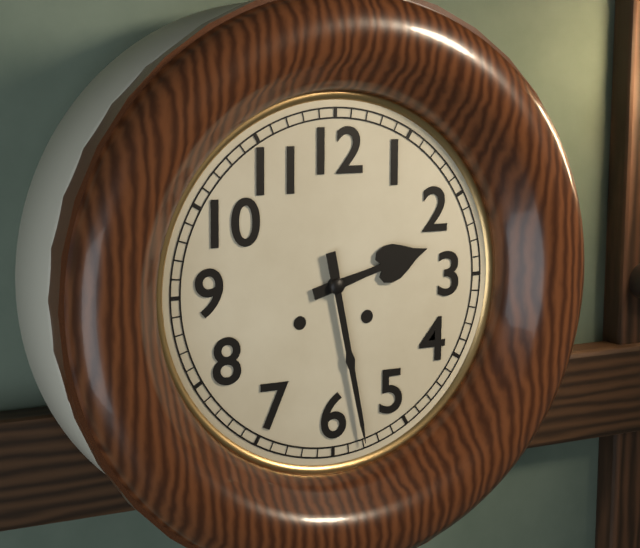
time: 2:28
